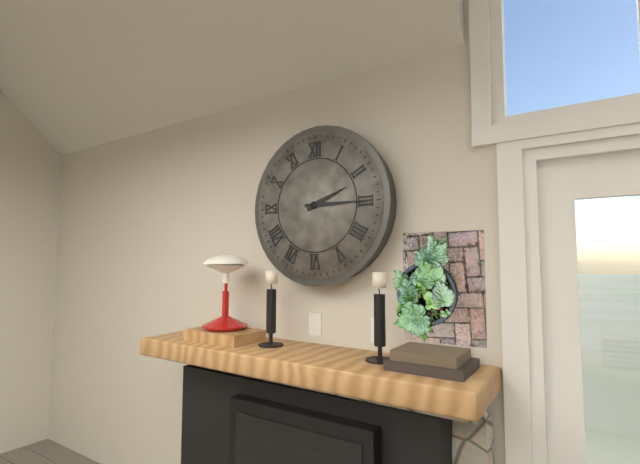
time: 2:15
